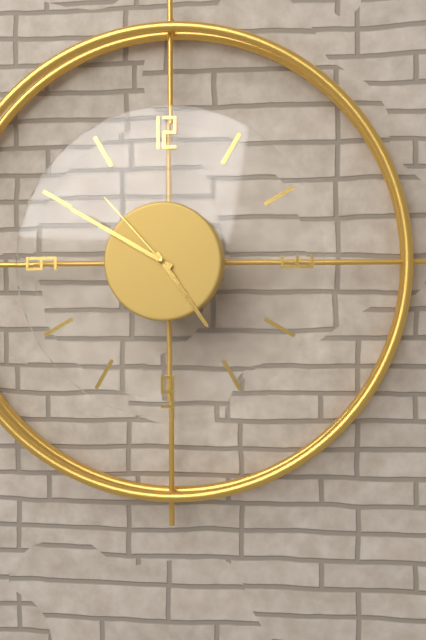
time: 4:50:53
